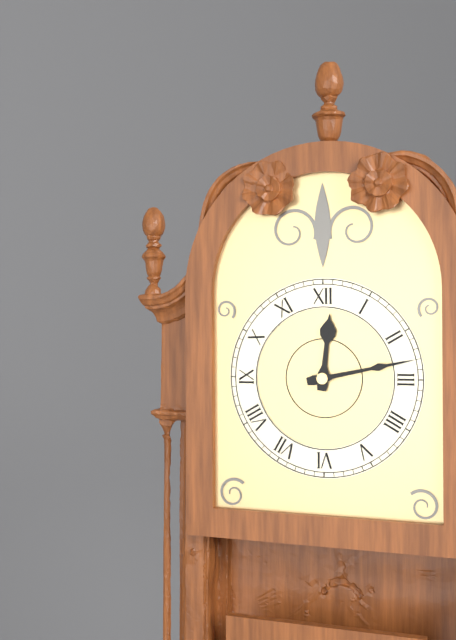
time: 12:13
